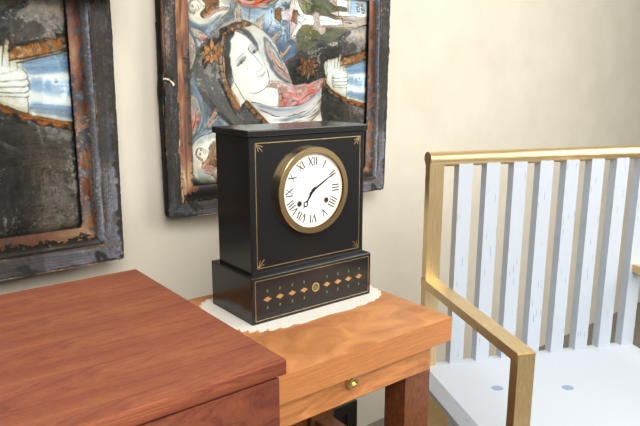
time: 7:10
